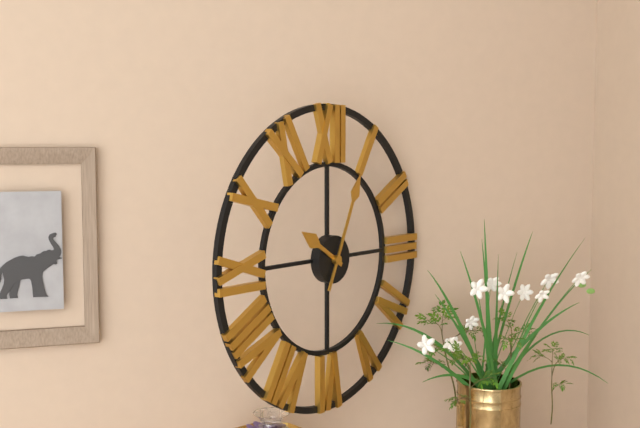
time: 10:04
